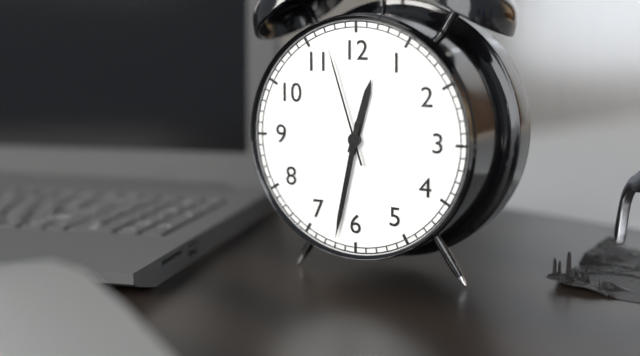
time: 12:32:57
